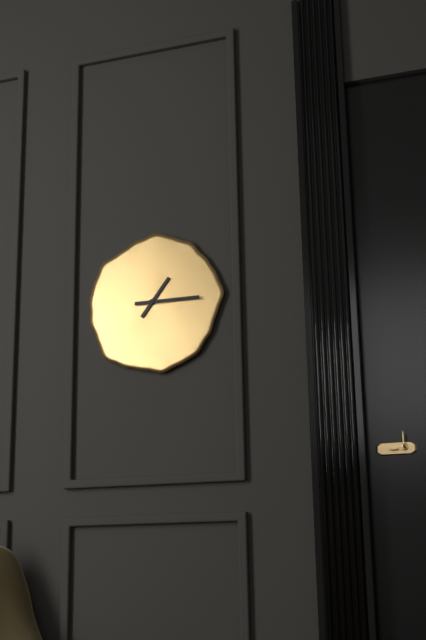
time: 1:15
